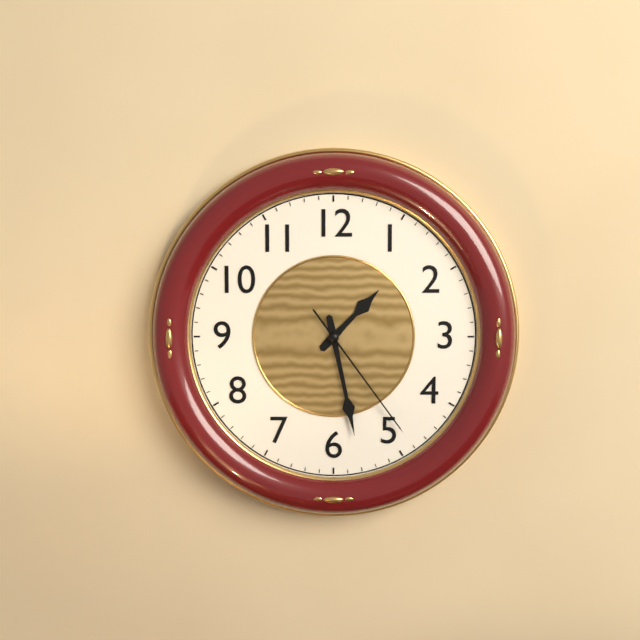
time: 1:28:24
